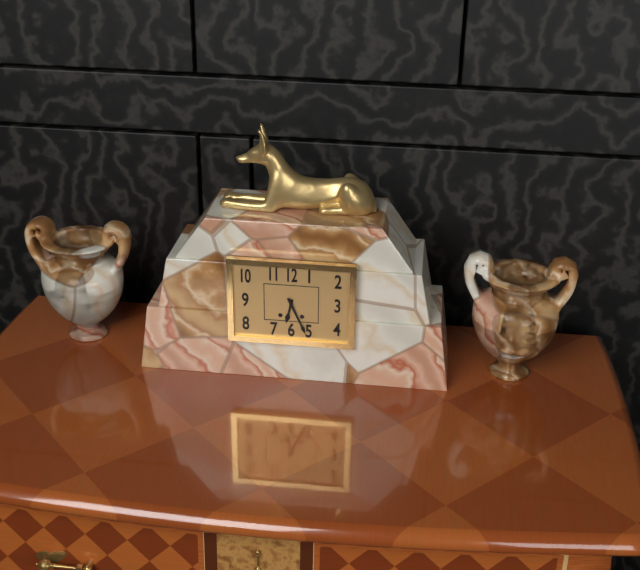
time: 6:26
